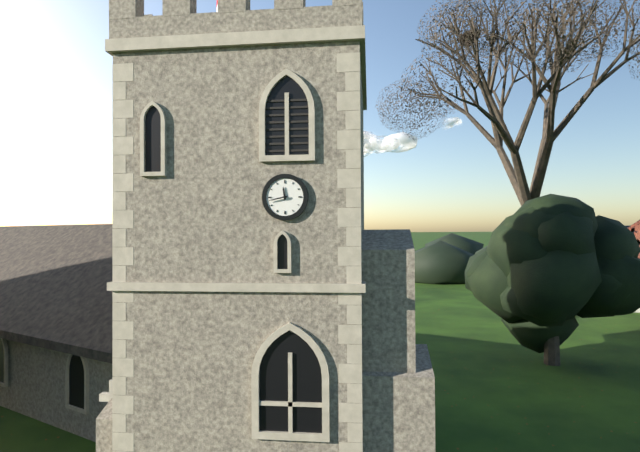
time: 11:43
